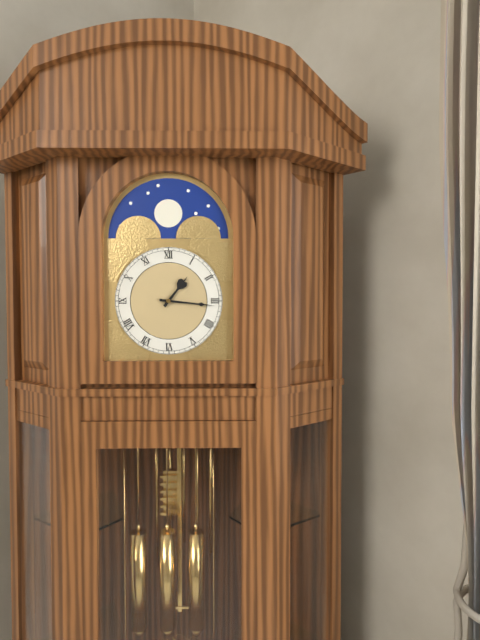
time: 1:16
